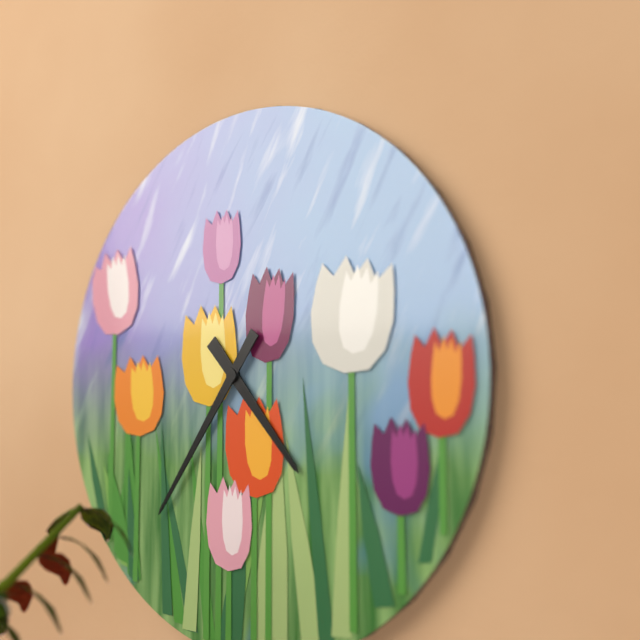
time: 4:36
